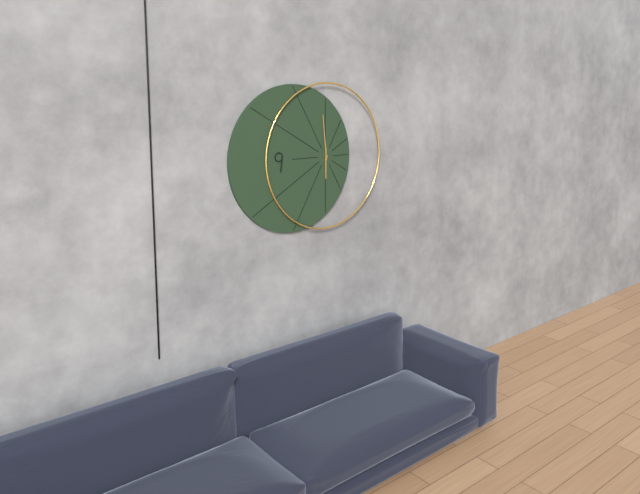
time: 5:59
